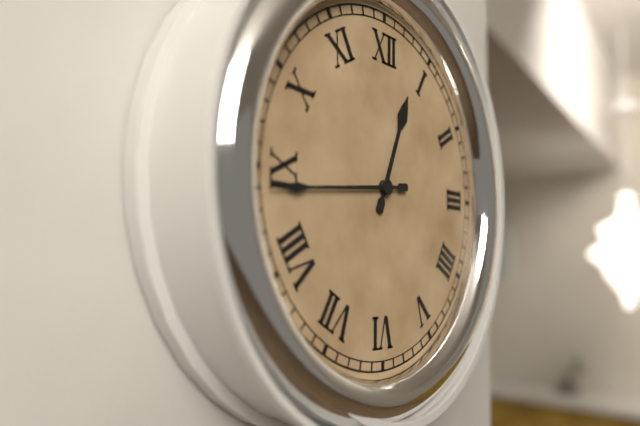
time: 12:44
